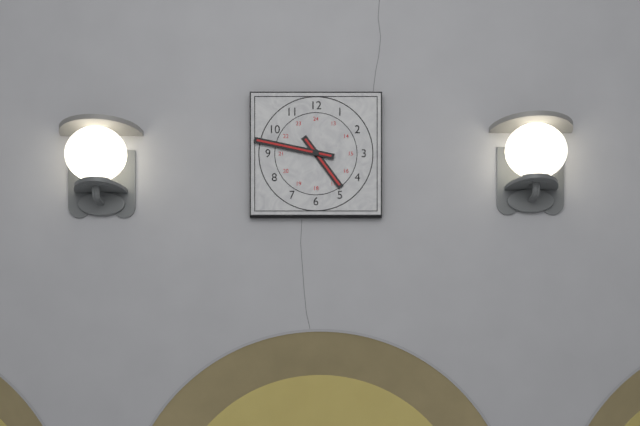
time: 4:47
